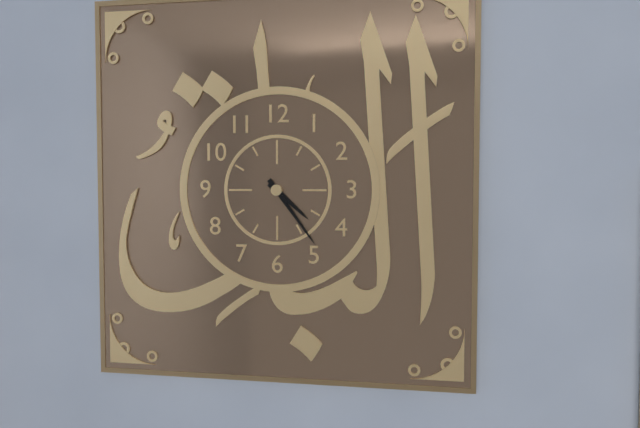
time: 4:24
